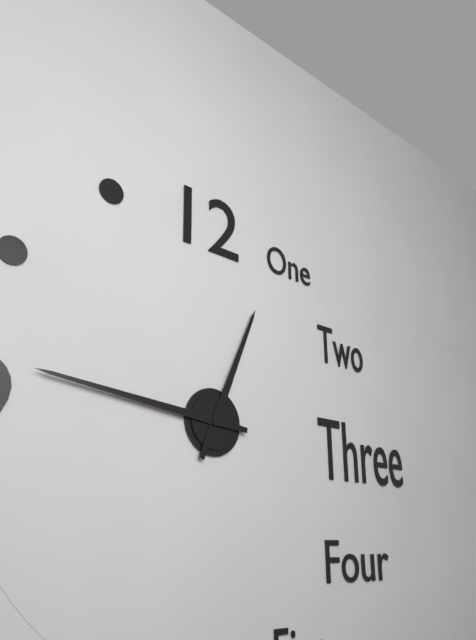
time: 12:46
